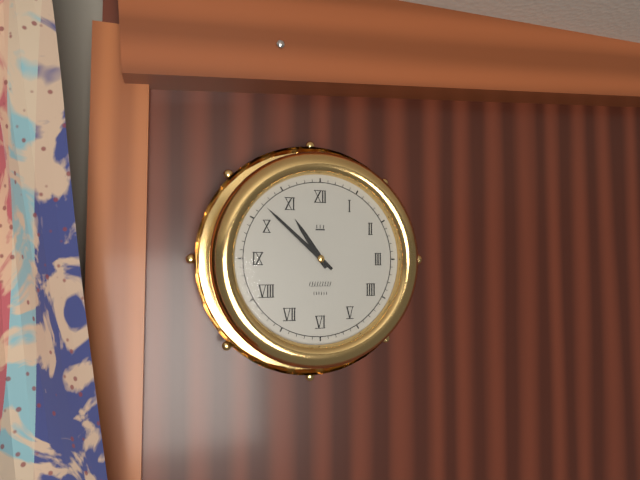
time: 10:52
